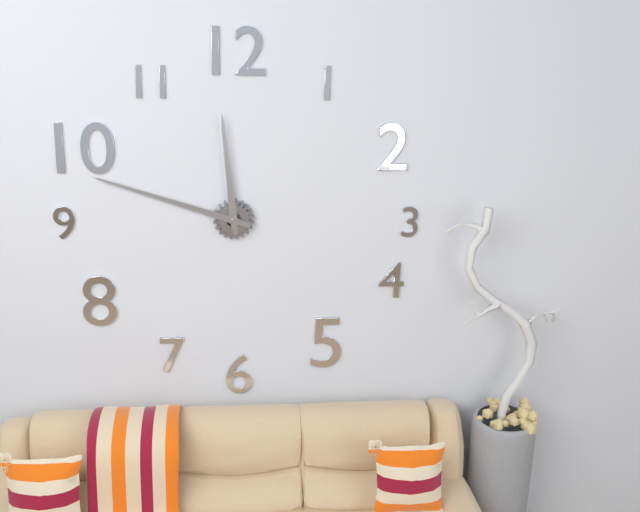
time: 11:48
